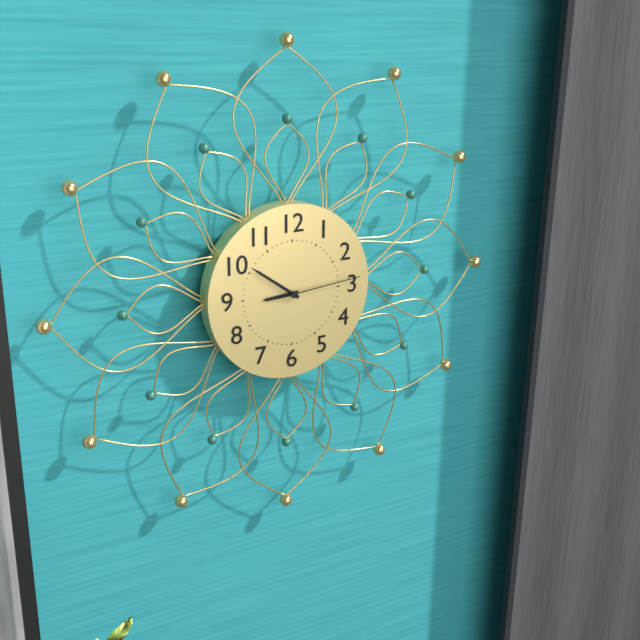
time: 8:51:14
